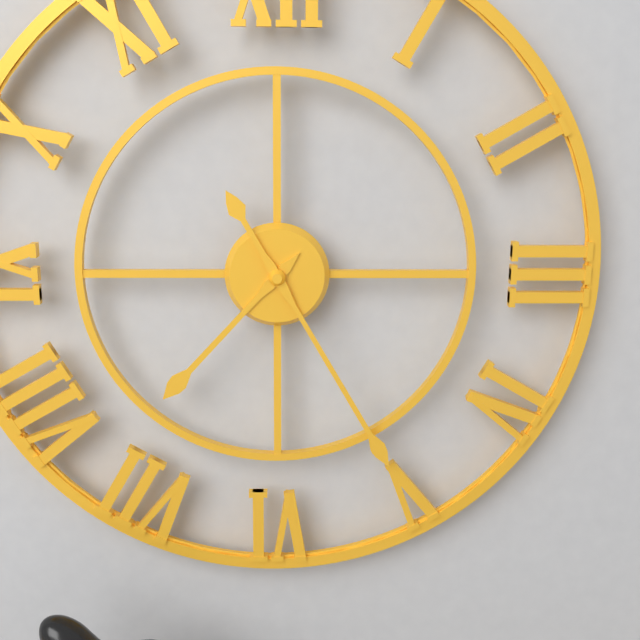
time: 7:25
